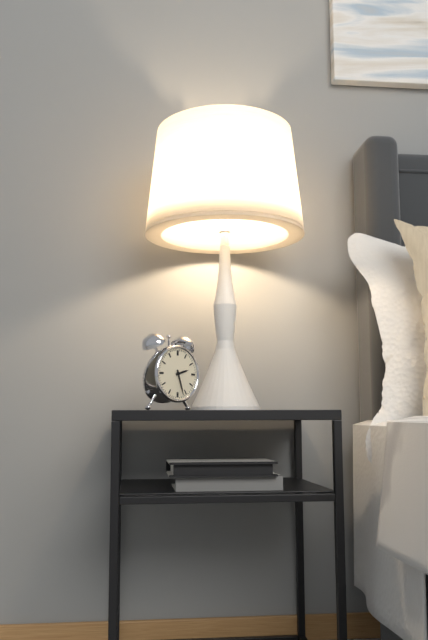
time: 2:27
